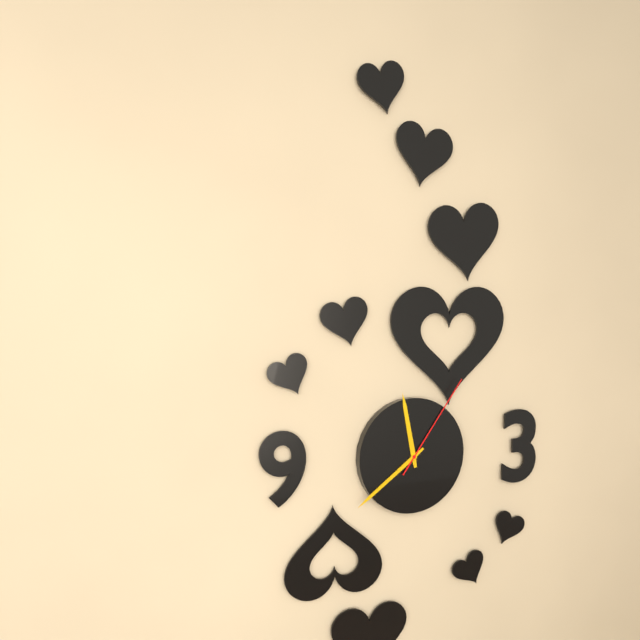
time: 11:39:06
